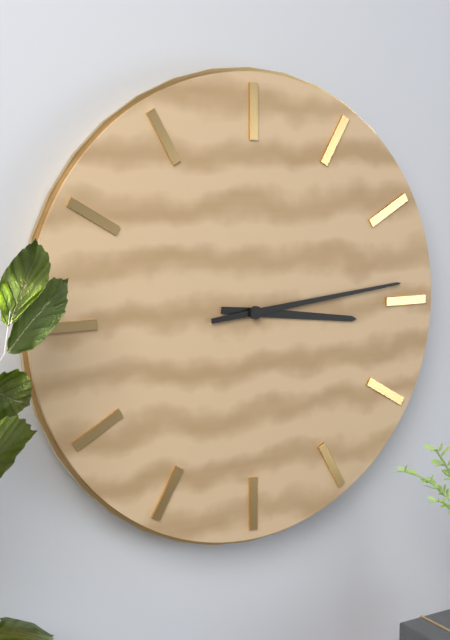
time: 3:14
